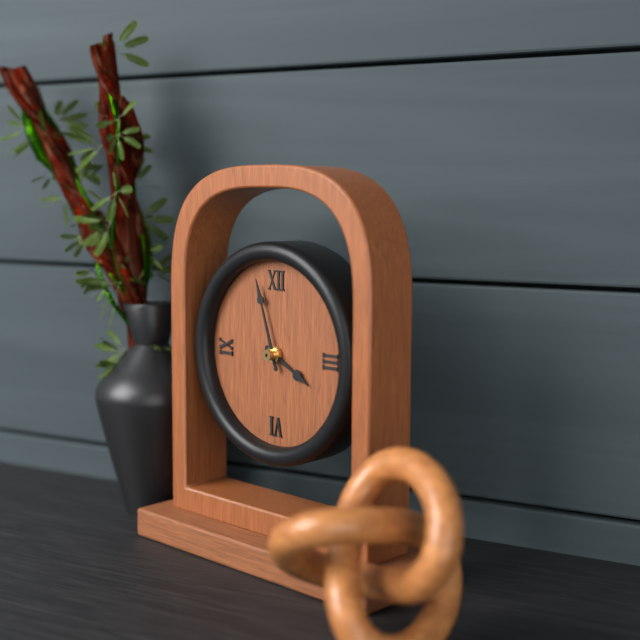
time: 3:57
